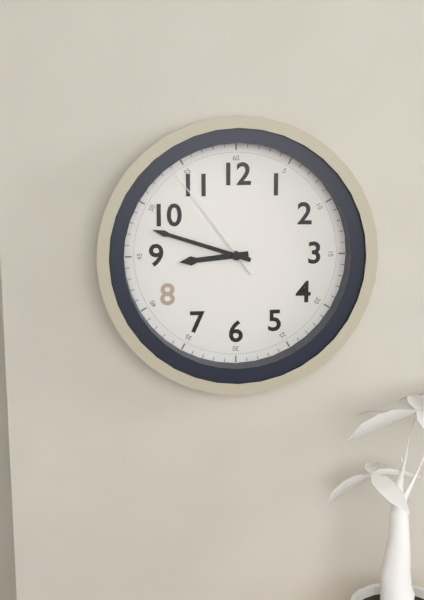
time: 8:48:54
